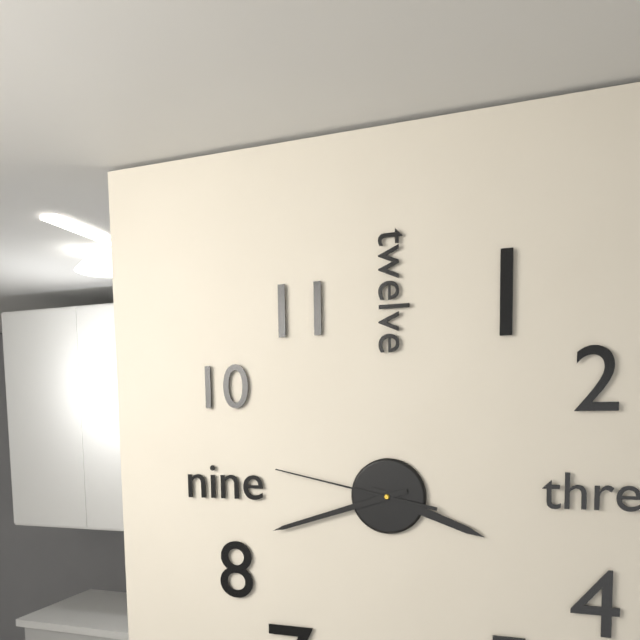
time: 3:42:47
